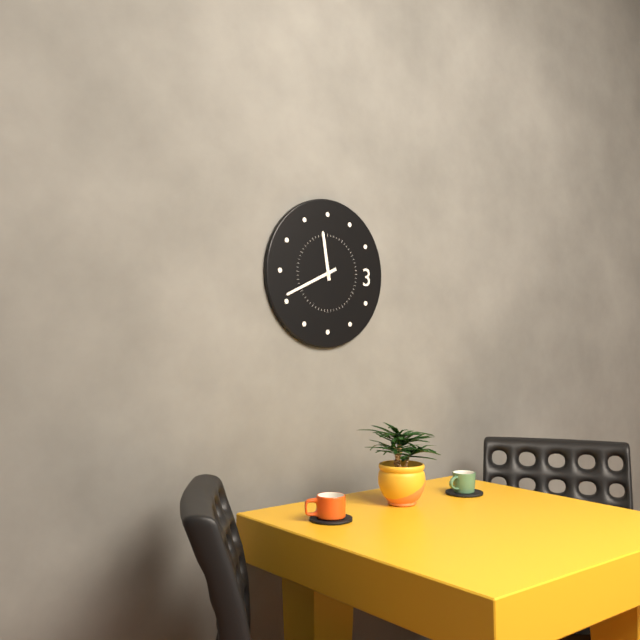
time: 11:41
